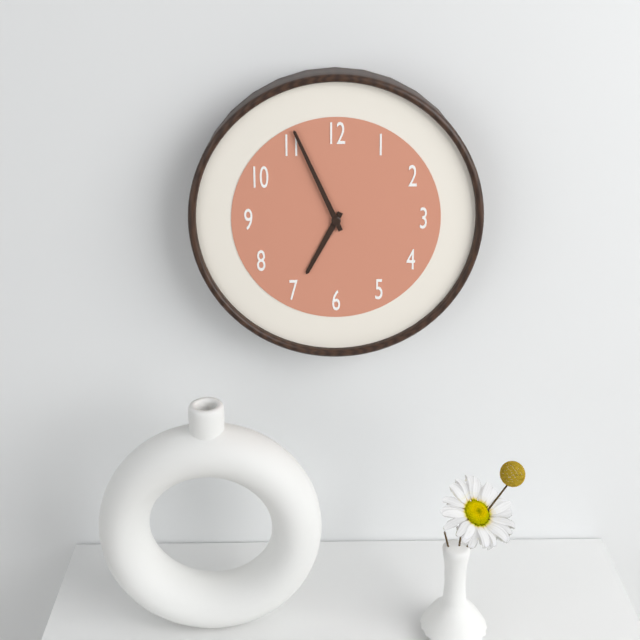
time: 6:56
